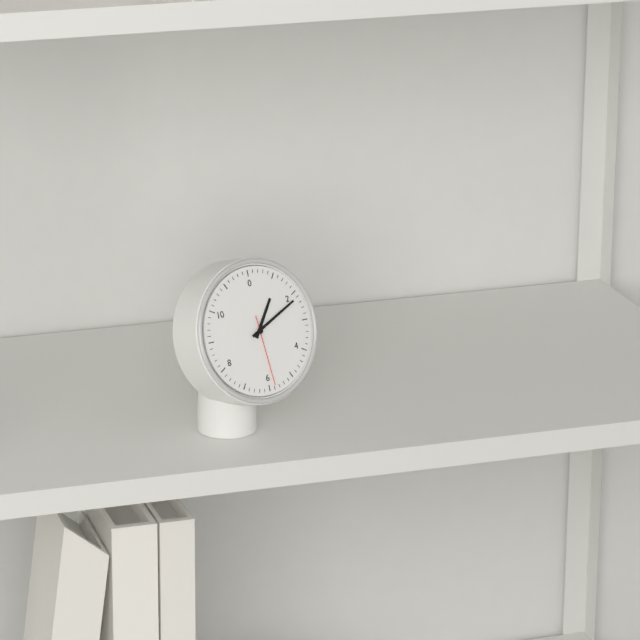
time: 1:11:29
